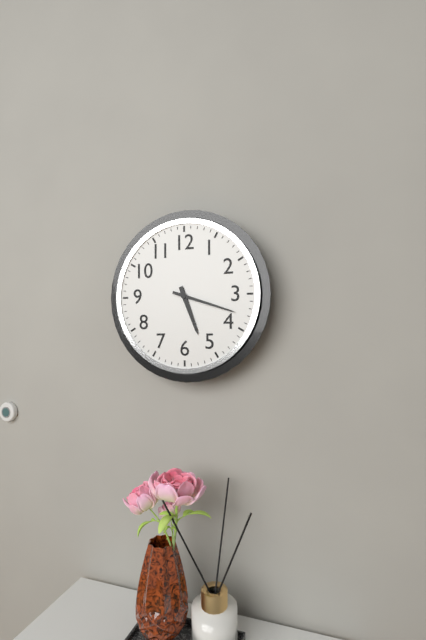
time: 5:18
